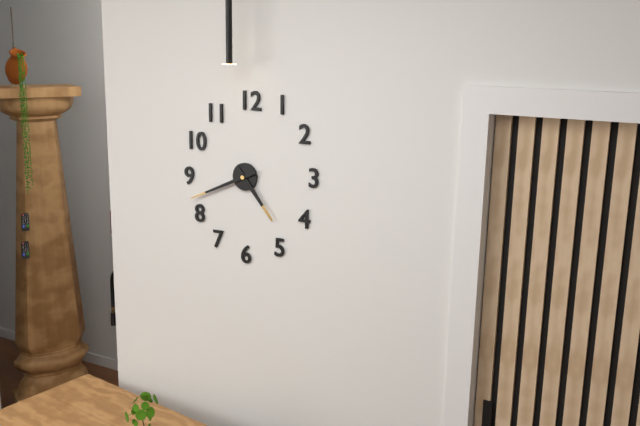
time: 4:41
